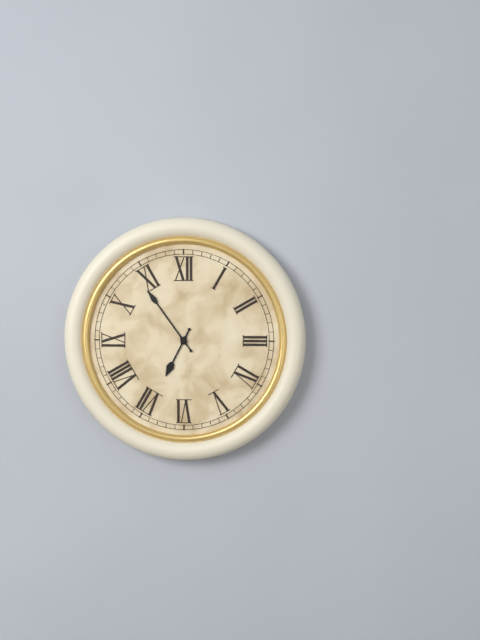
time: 6:54
